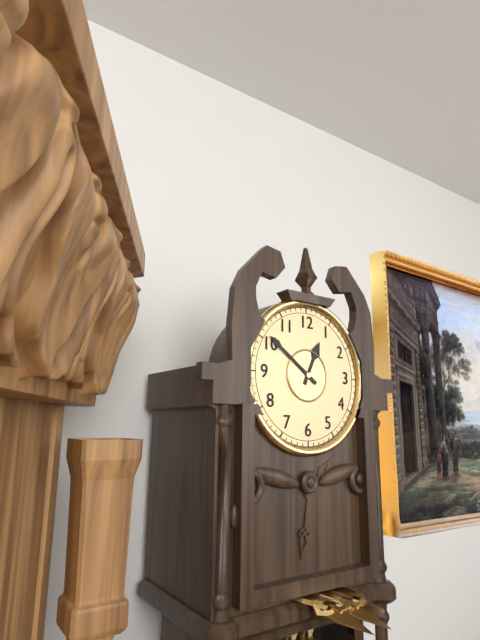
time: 12:51
